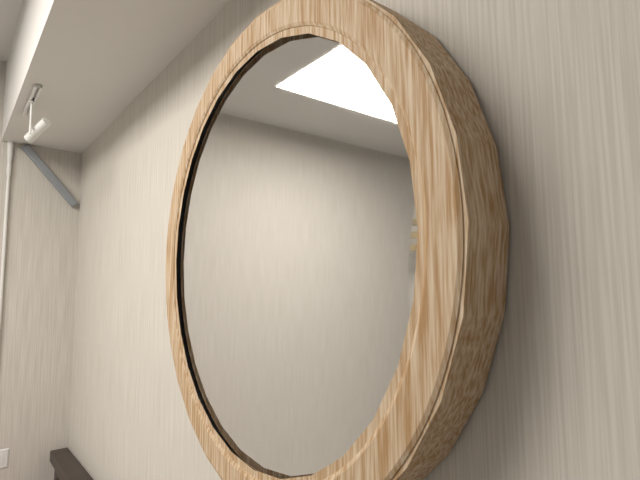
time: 9:32
